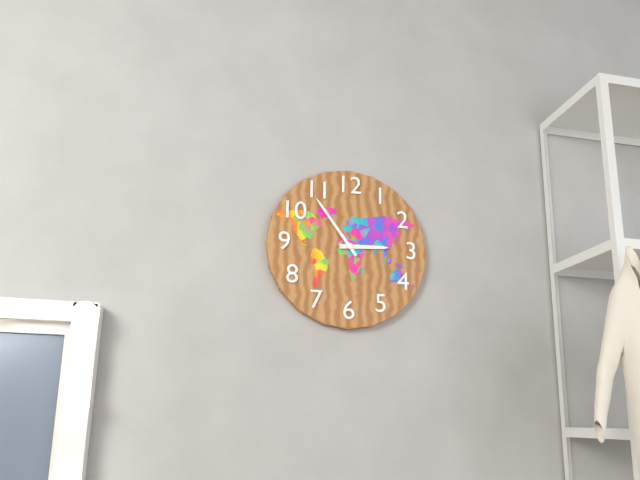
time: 2:54
